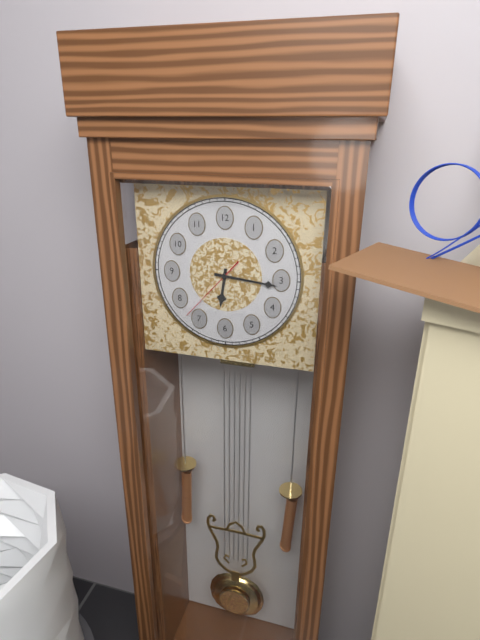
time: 6:16:37
